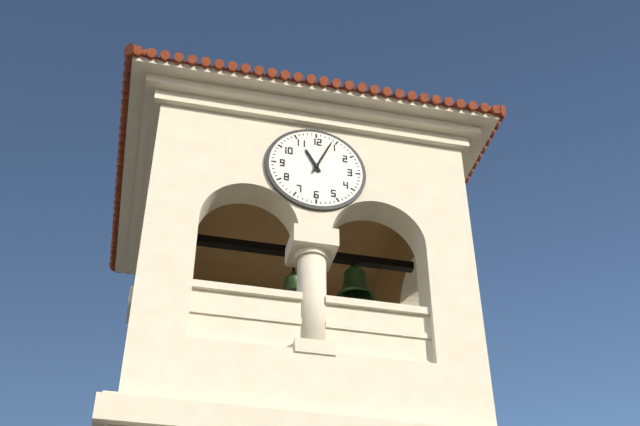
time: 11:04
